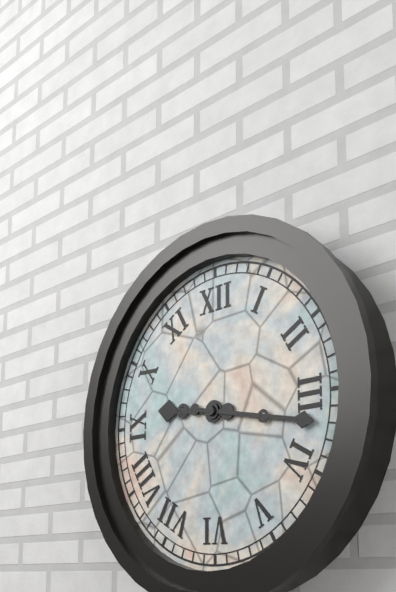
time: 9:17
